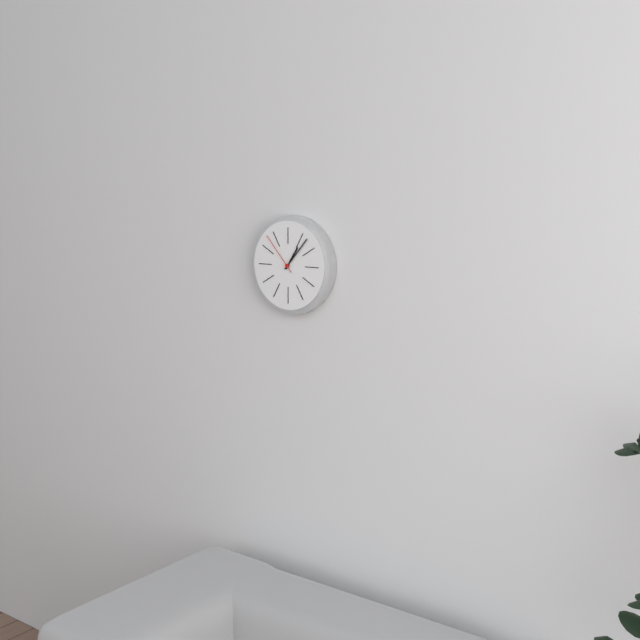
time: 1:07
